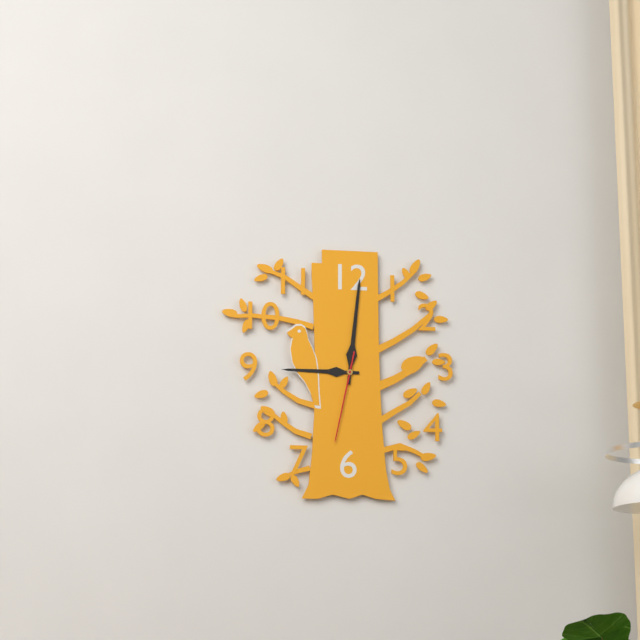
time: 9:01:32
